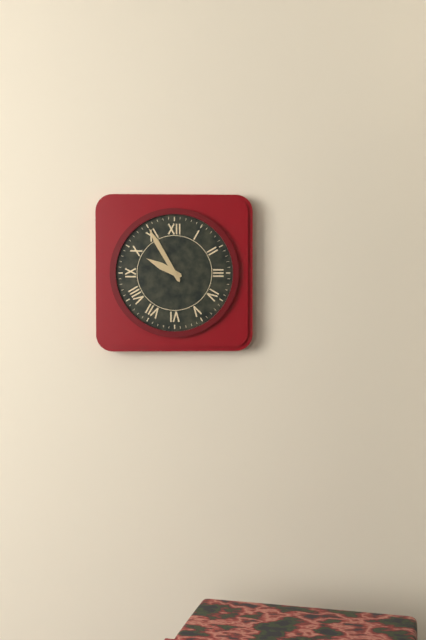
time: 9:55
